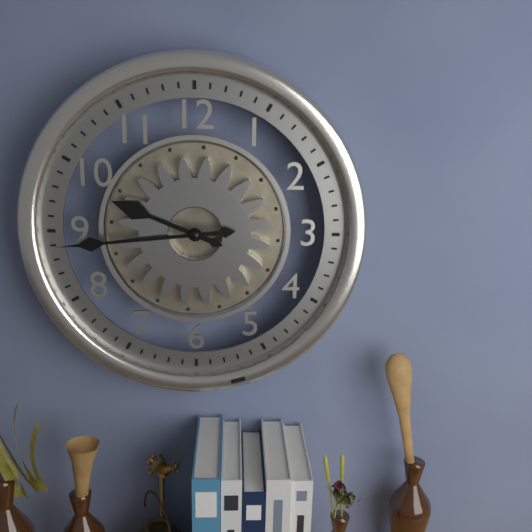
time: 9:44
